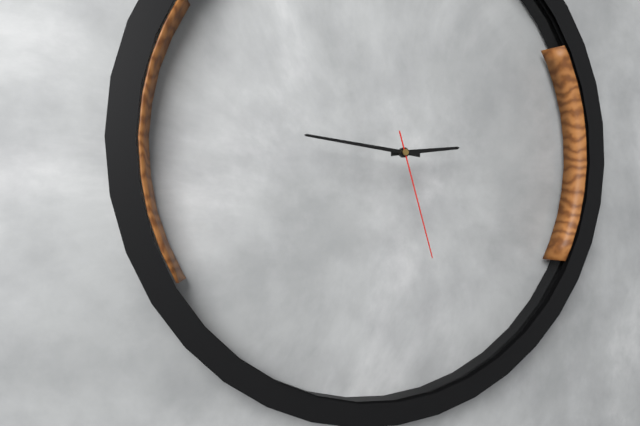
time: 2:46:27
